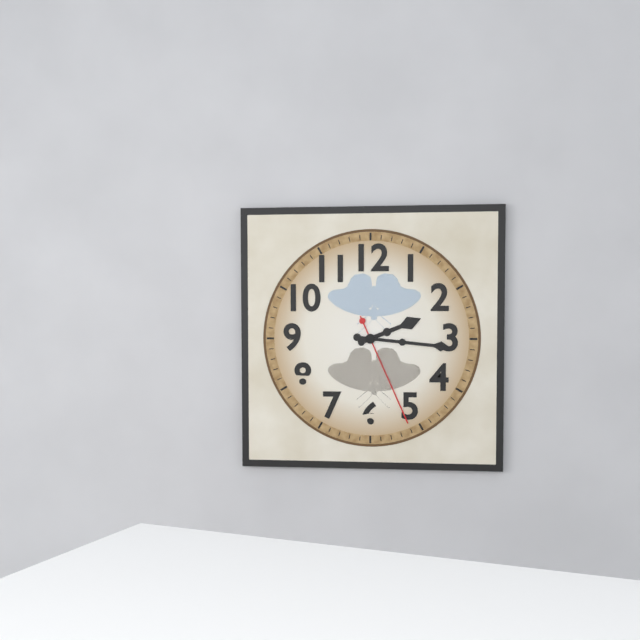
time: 2:16:26
